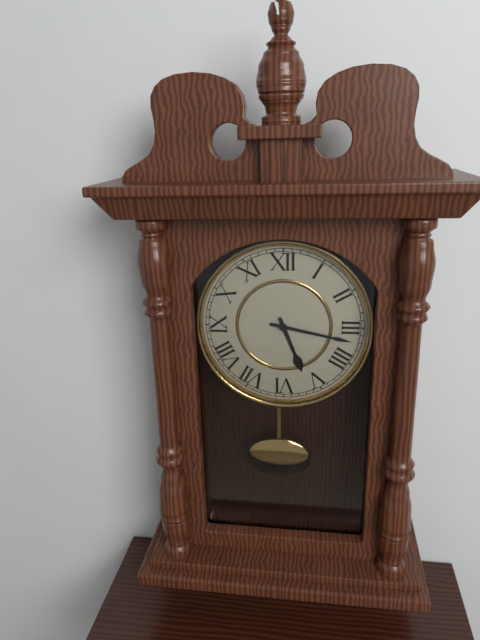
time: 5:17
